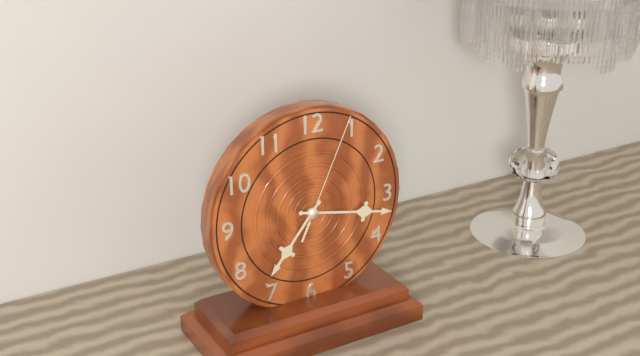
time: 7:17:04
